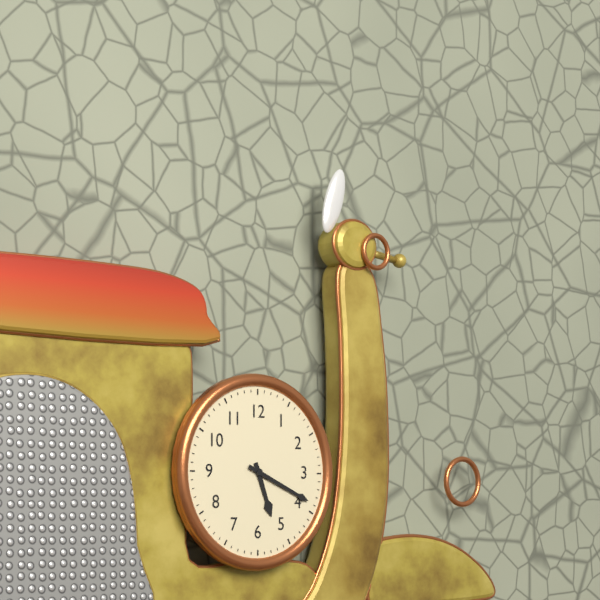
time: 5:19
